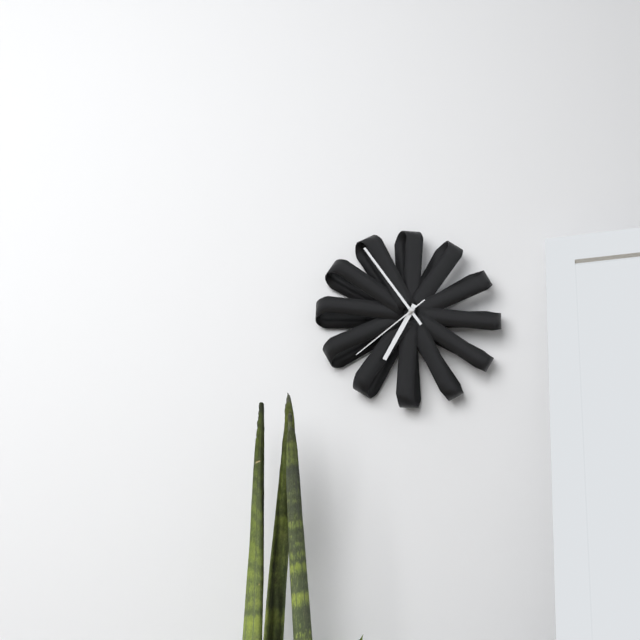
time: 6:54:38
